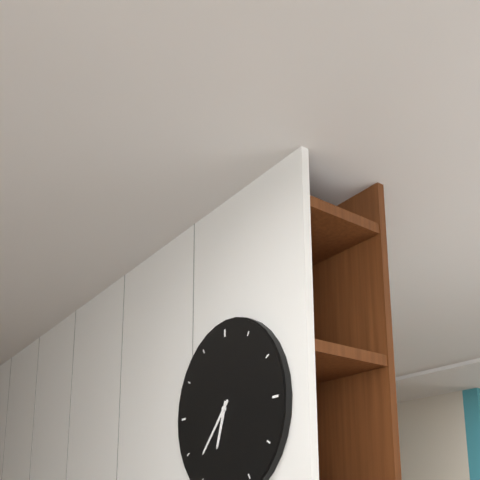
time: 6:37
